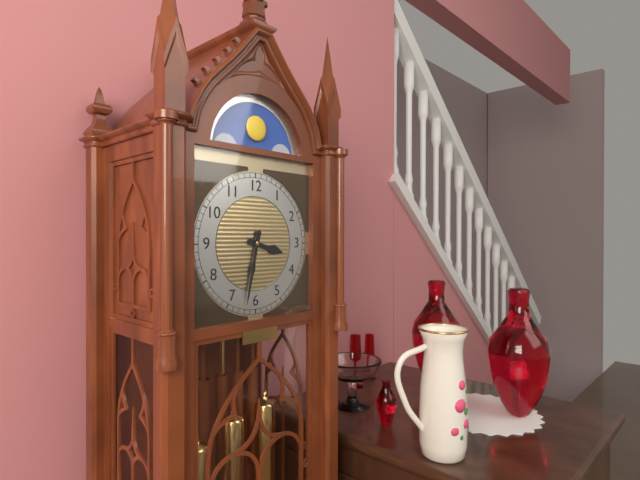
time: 3:32
